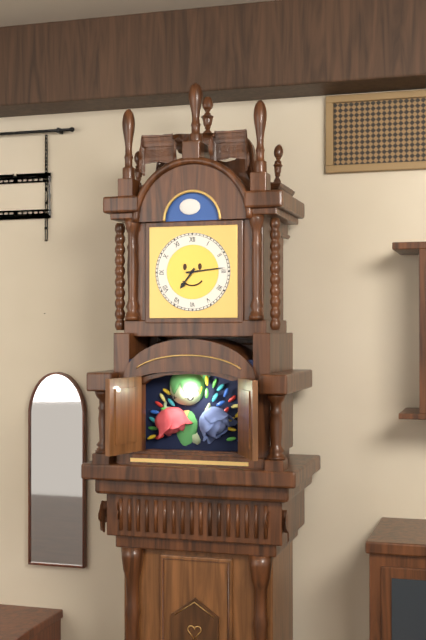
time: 7:14
